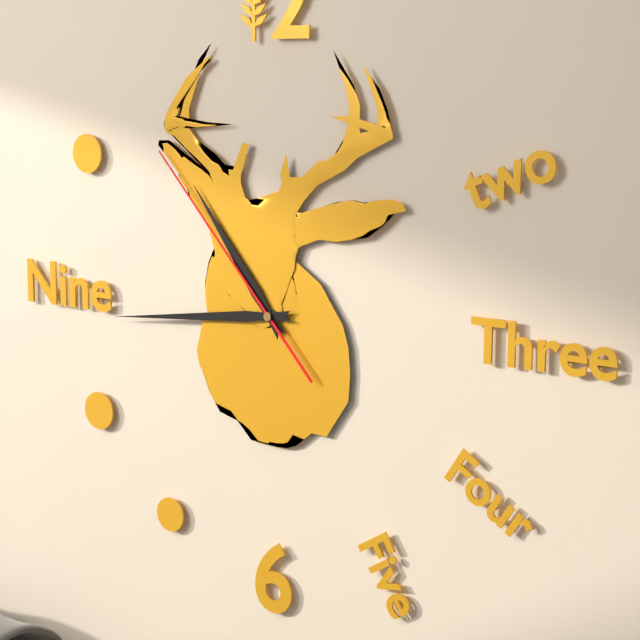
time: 10:44:53
